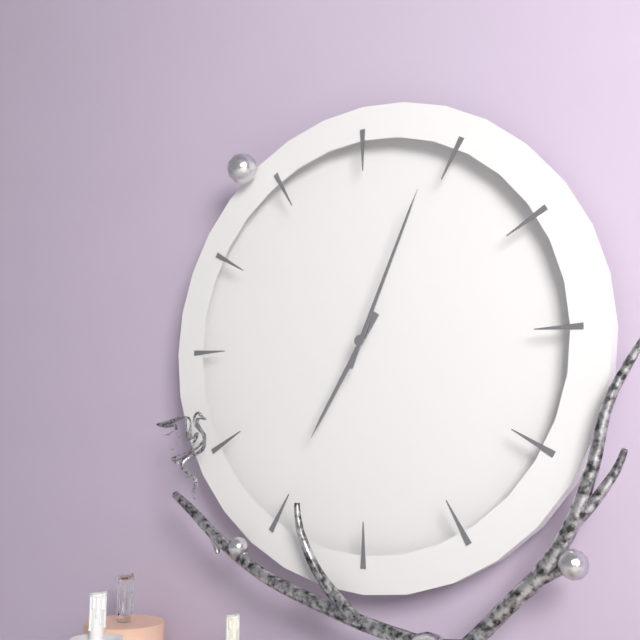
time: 7:04
